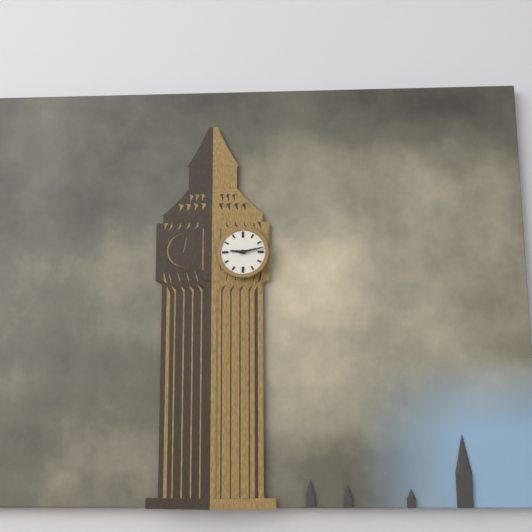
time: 9:13
